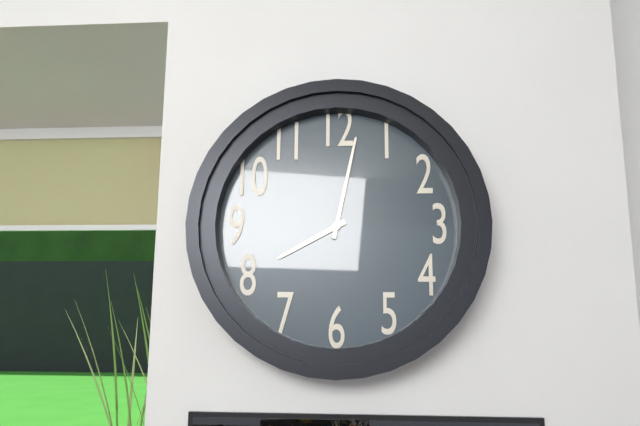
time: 8:02
